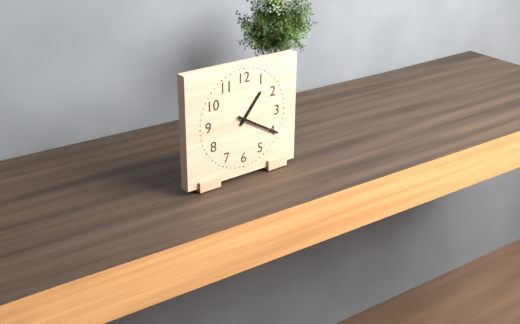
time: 1:20
